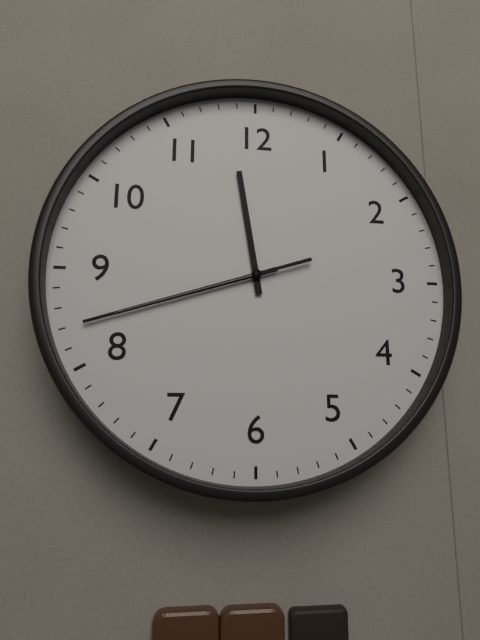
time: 11:42:42
